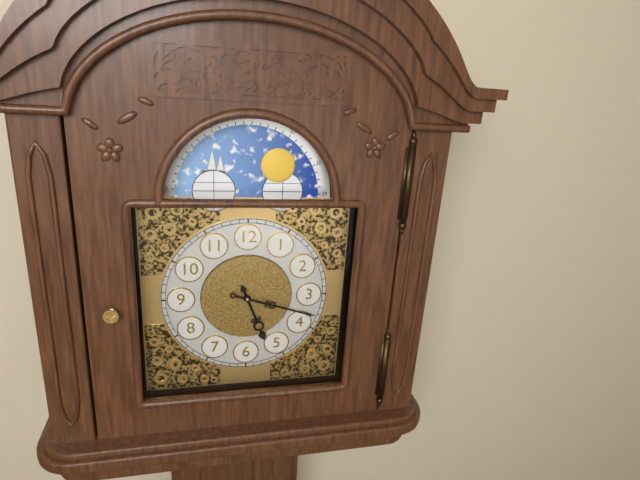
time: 5:18
